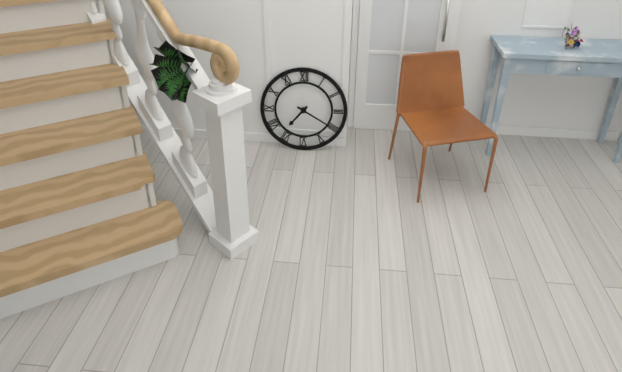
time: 7:20
